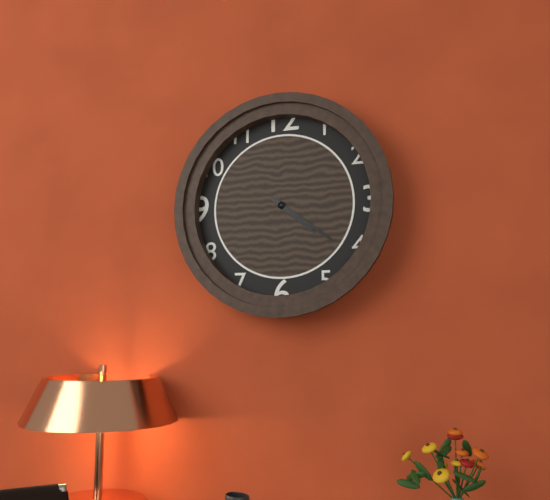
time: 4:21
